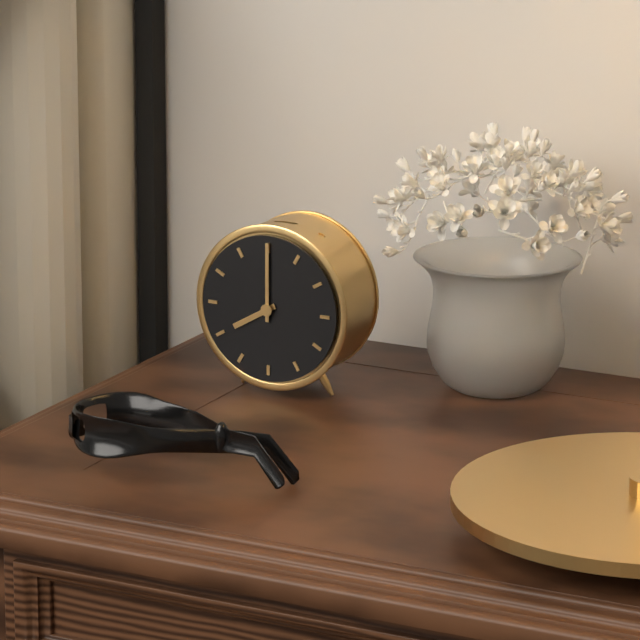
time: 8:00
